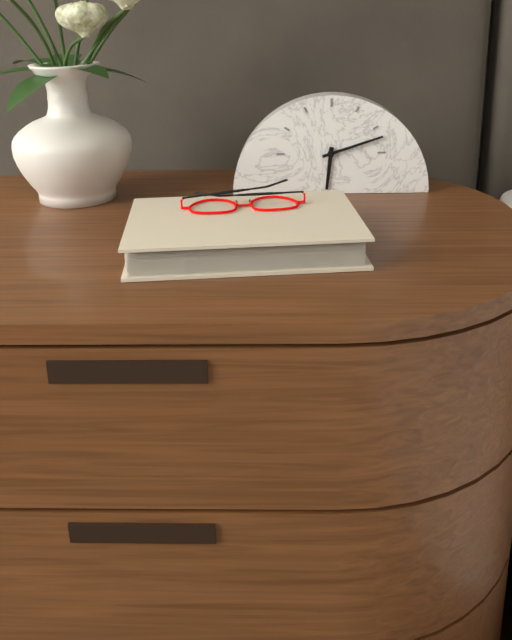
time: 6:12
